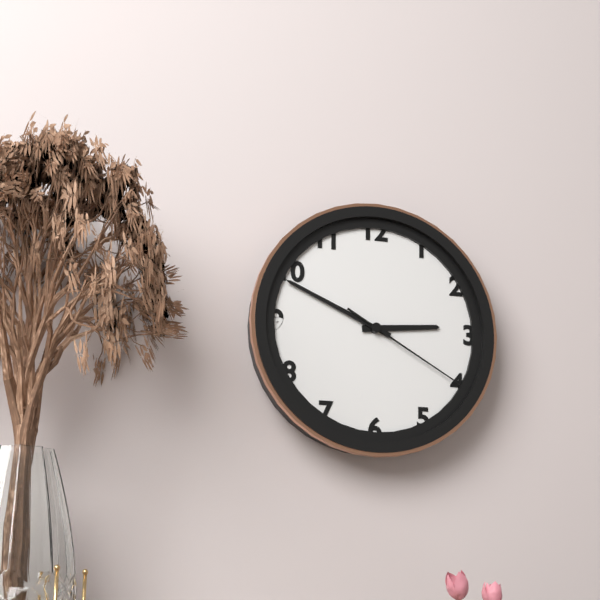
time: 2:49:20
